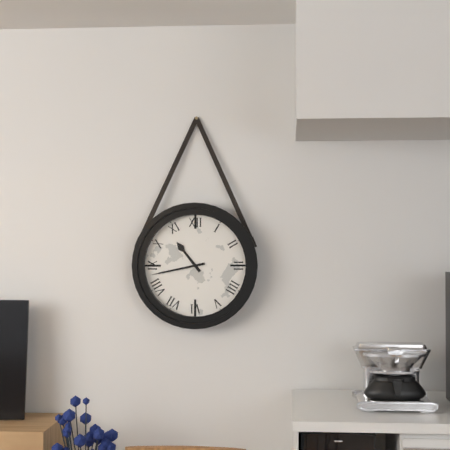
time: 10:43
